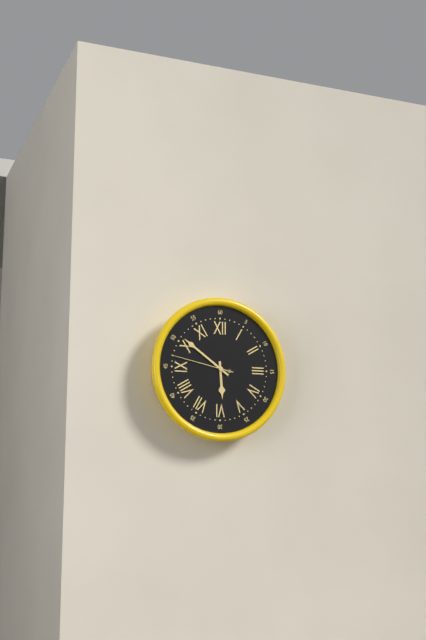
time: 5:51:47
